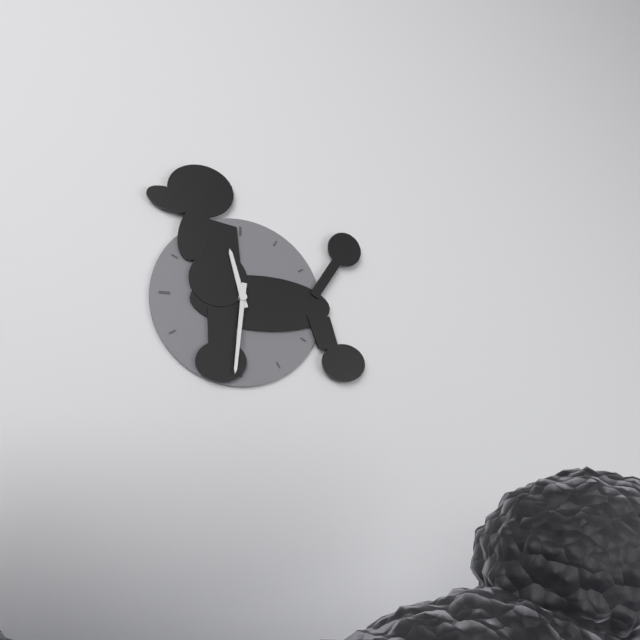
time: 11:31
